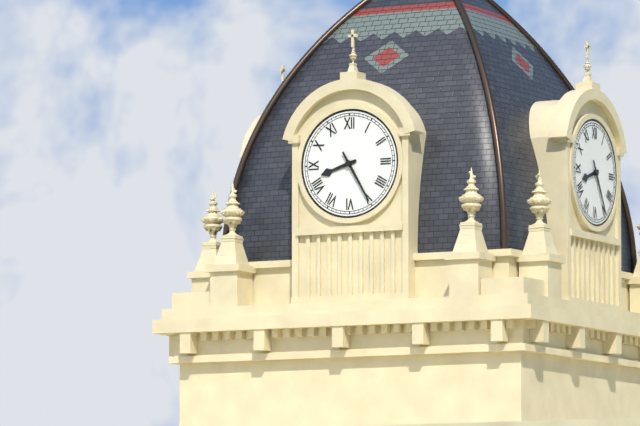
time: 8:25
